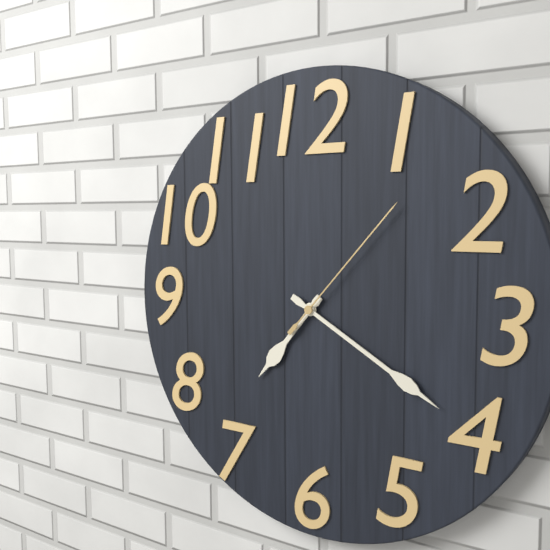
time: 7:20:07
